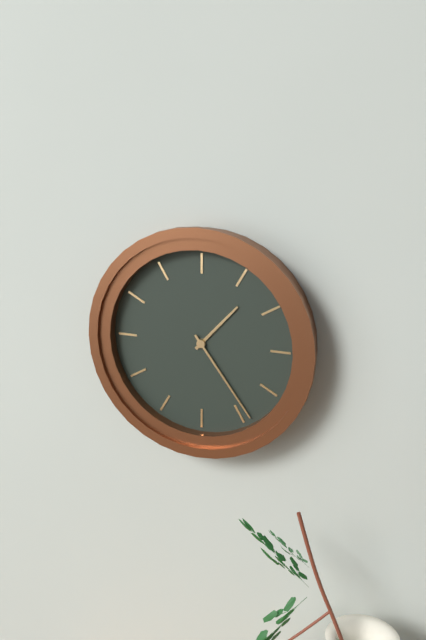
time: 1:24
